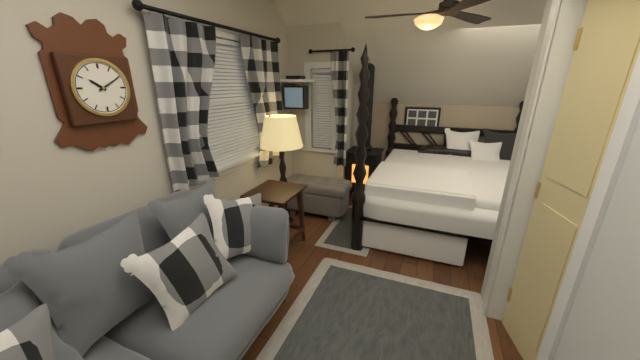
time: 10:10
